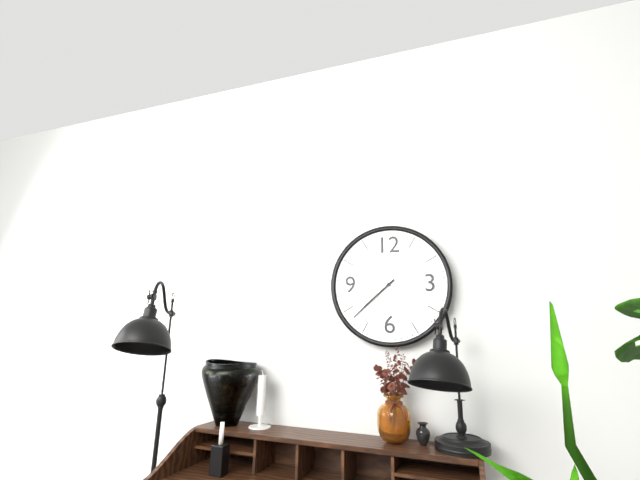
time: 7:38
